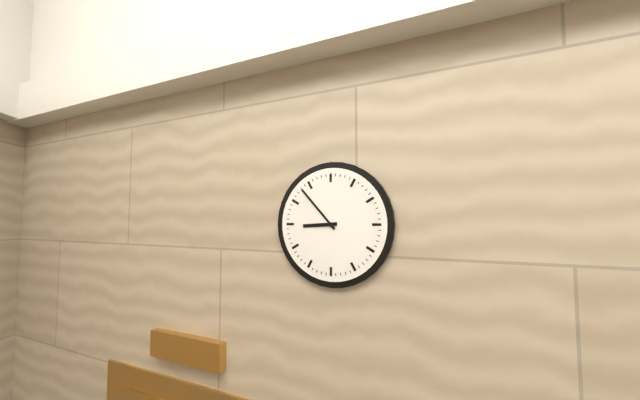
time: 8:53
